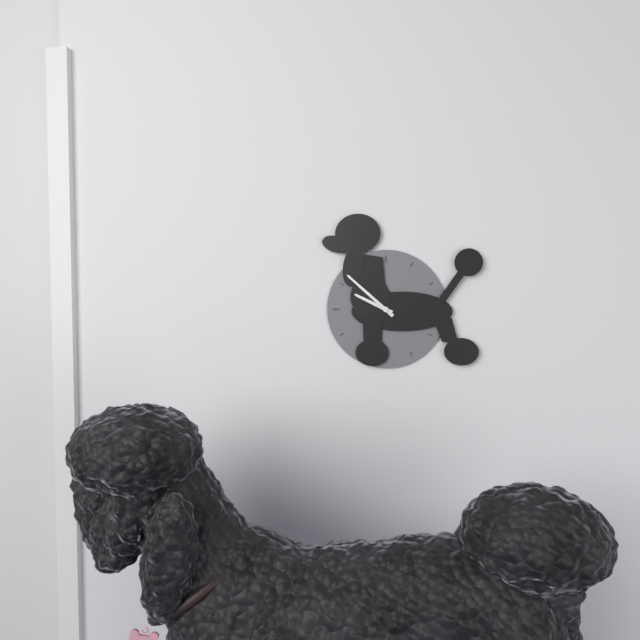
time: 9:52
